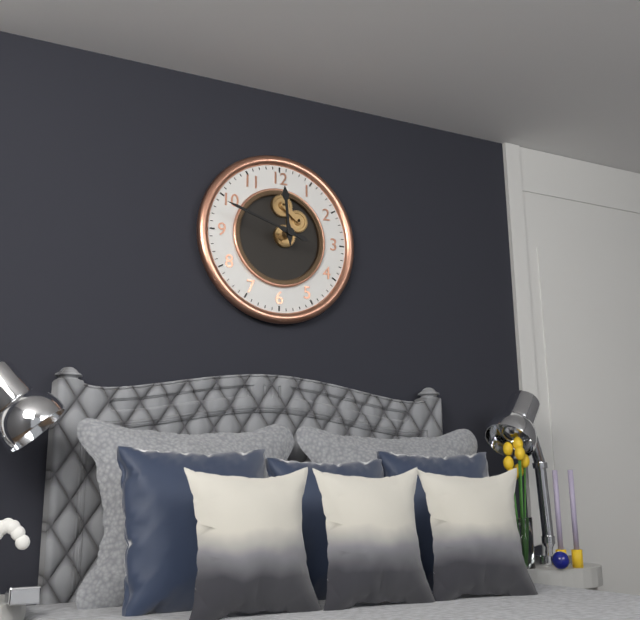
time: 11:48
